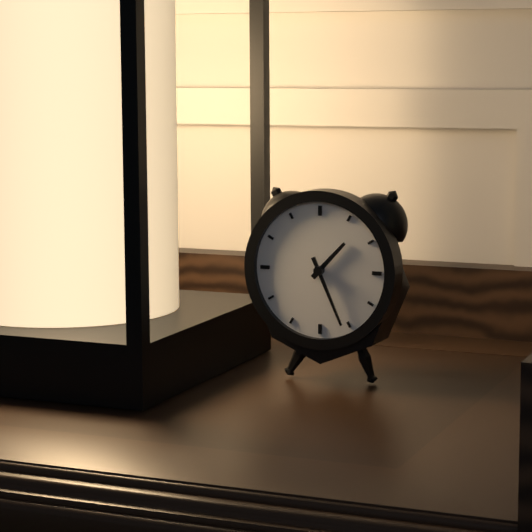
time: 1:26
